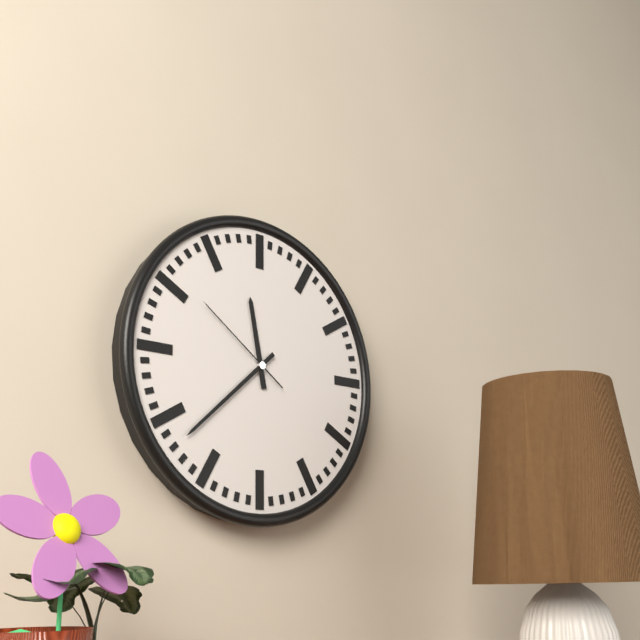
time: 11:38:51
